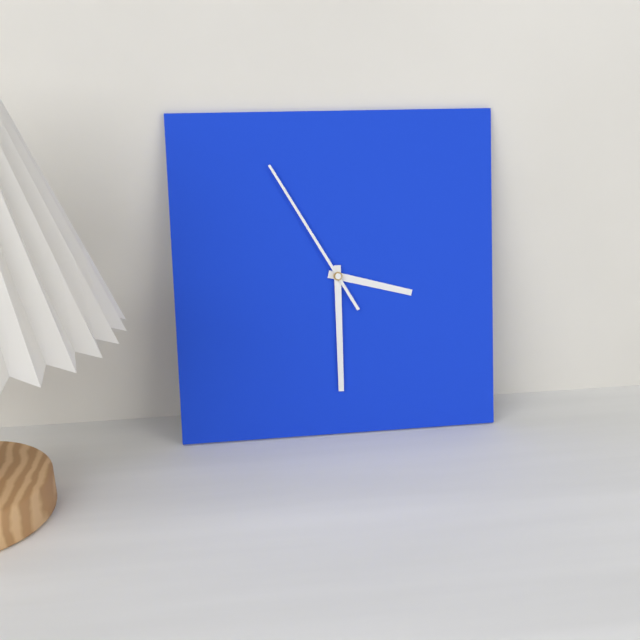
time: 3:30:55
